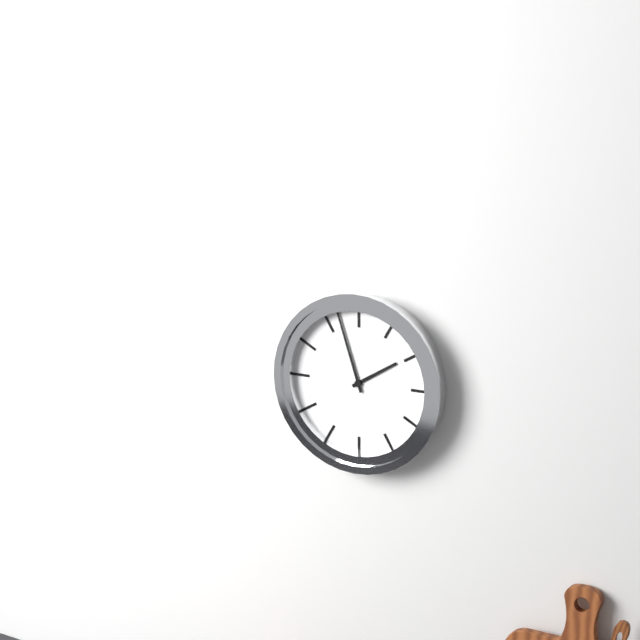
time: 1:57
